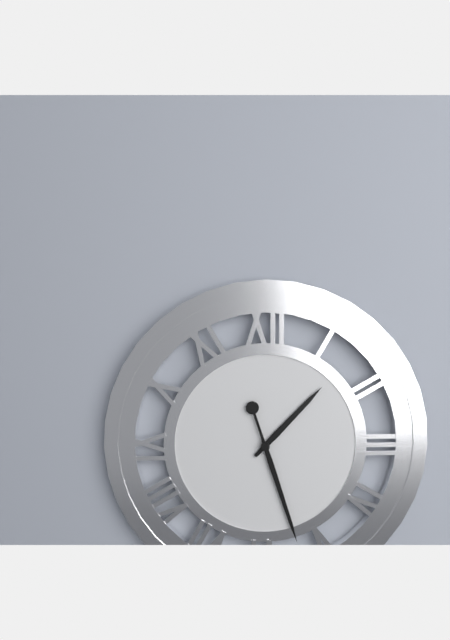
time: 1:27
